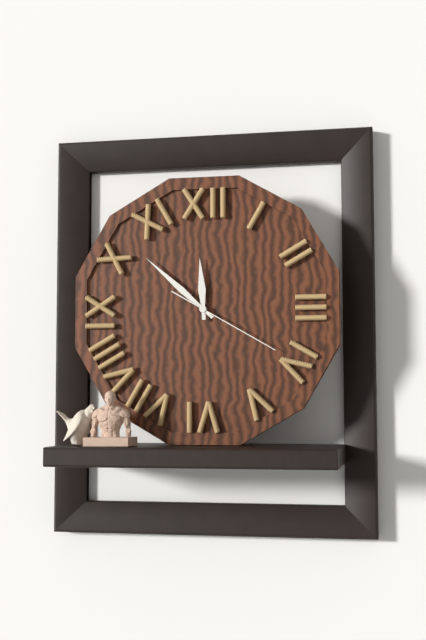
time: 11:52:20
